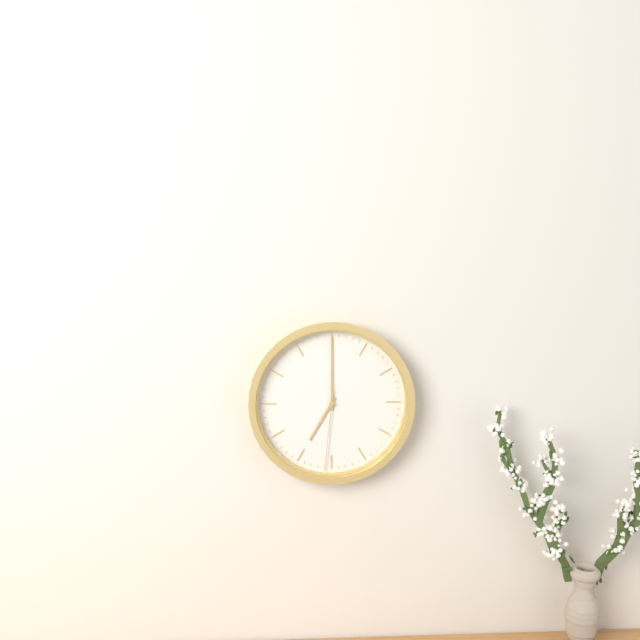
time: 7:00:31
